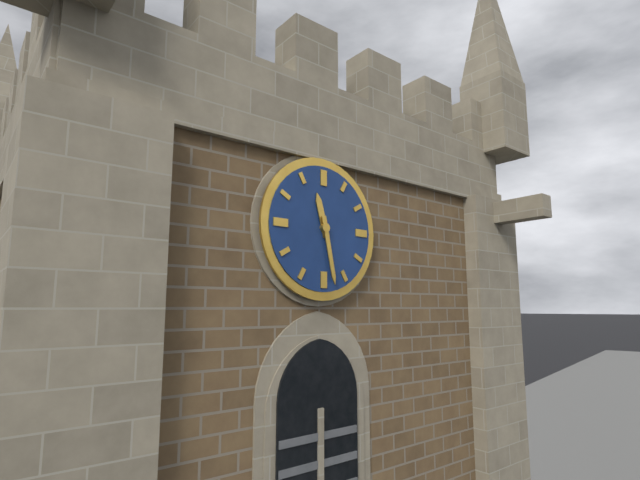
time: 11:28
